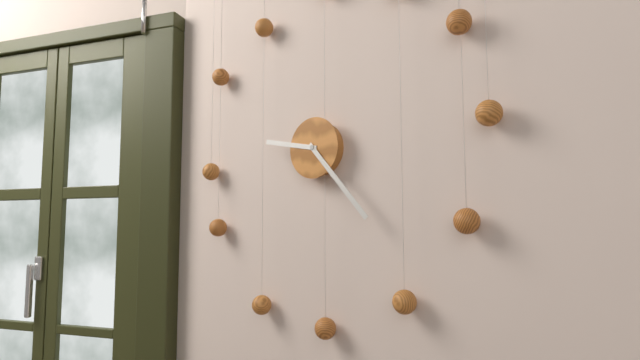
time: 9:23
